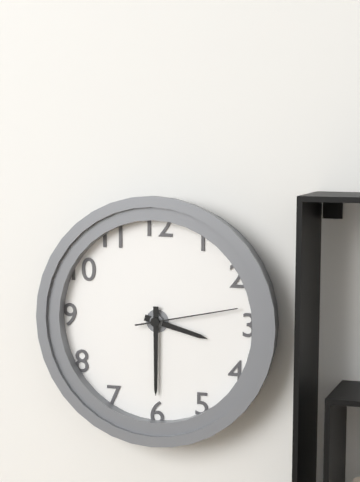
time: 3:30:13
